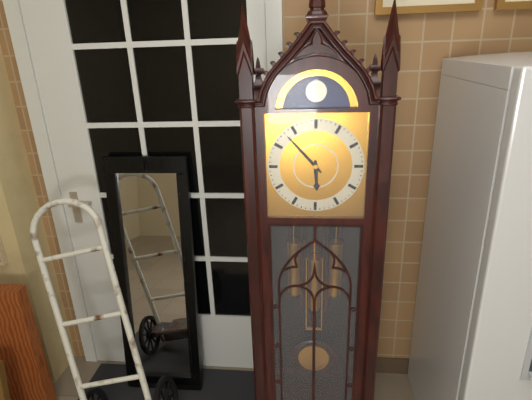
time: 5:53
